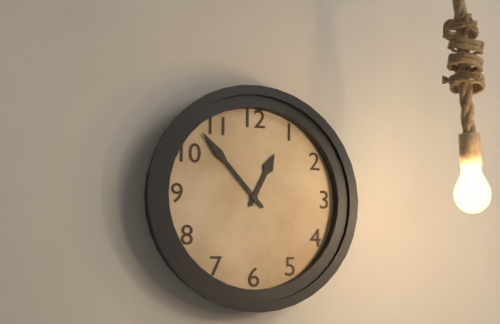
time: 12:53
